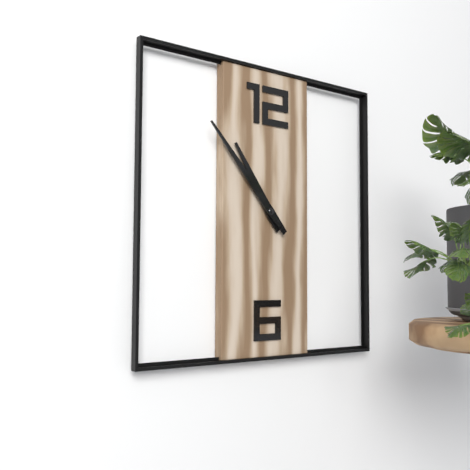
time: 10:53
